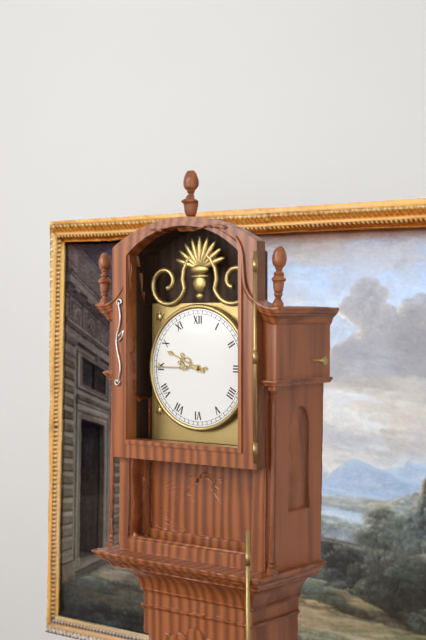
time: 9:45
